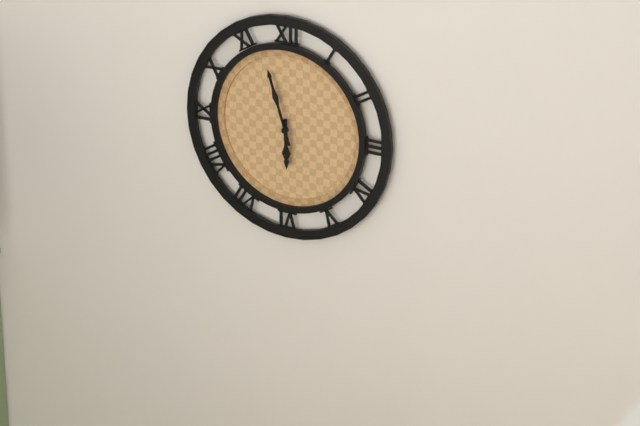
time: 5:57
